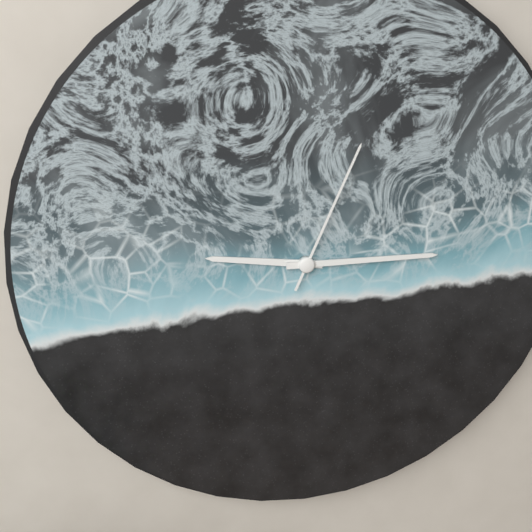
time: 9:15:04
